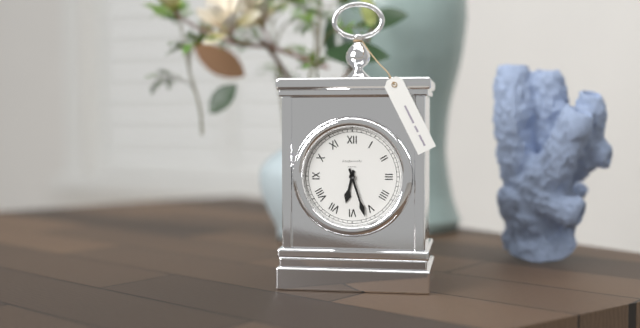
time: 6:27
